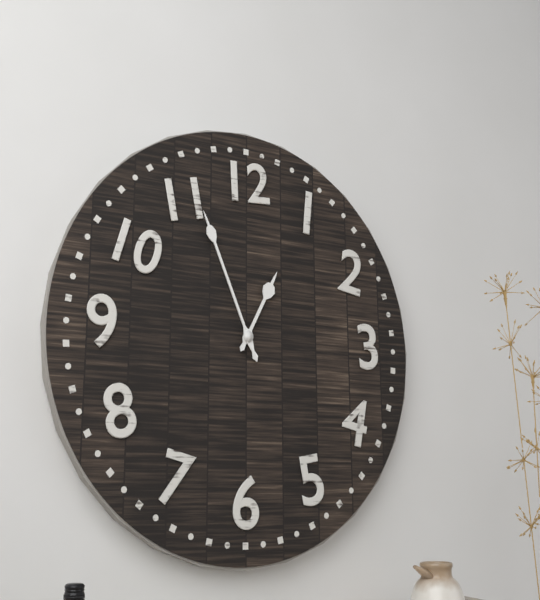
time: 12:56
